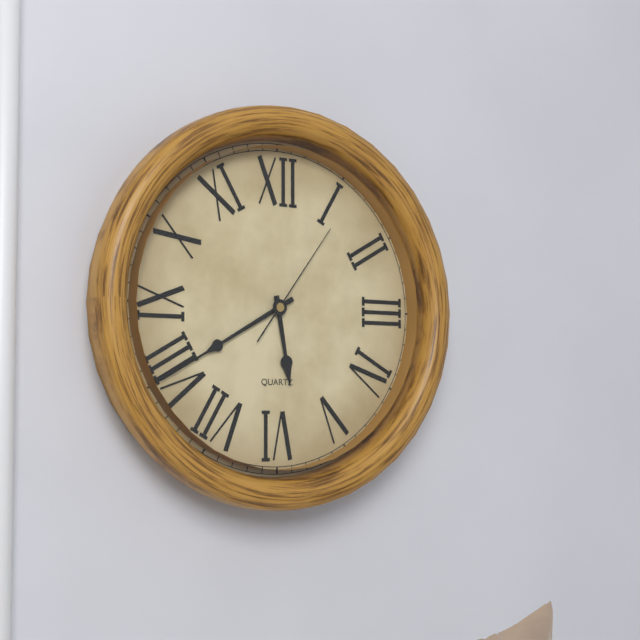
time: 5:40:06
